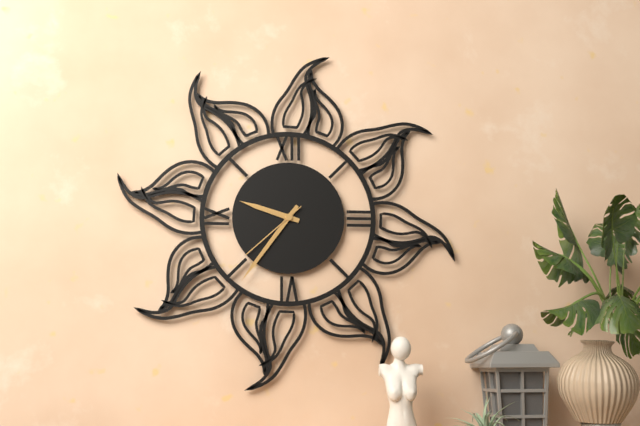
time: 9:36:38
